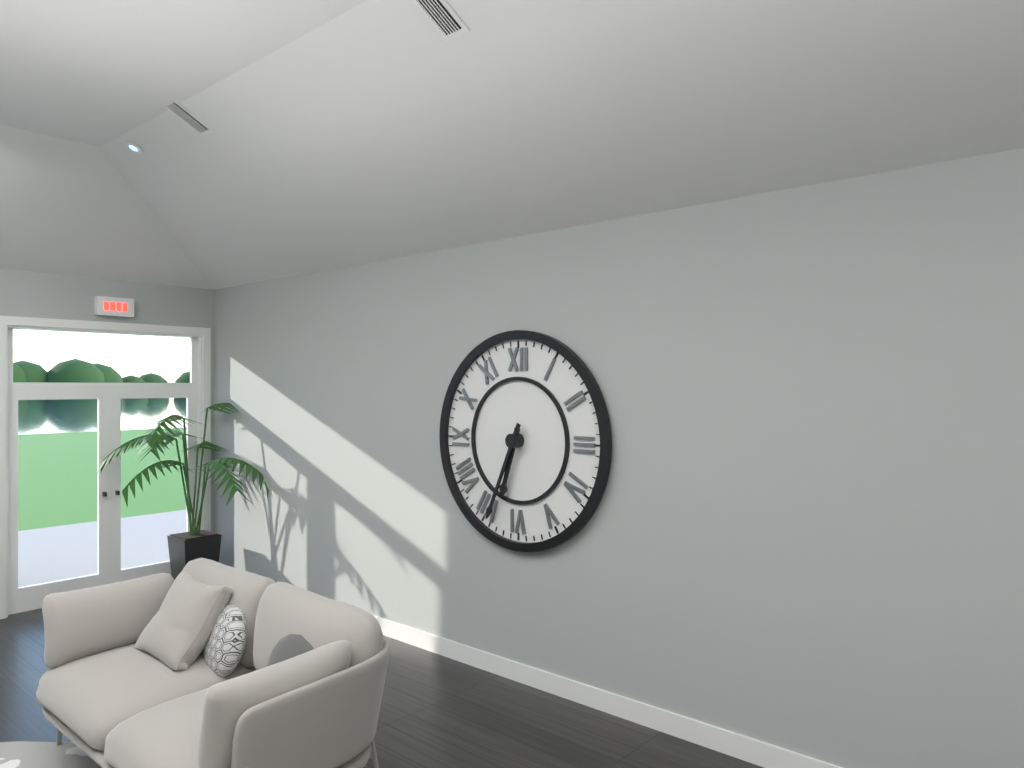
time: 6:34
